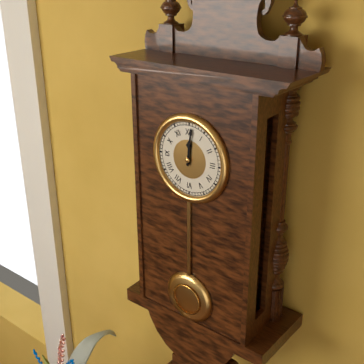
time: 12:01
